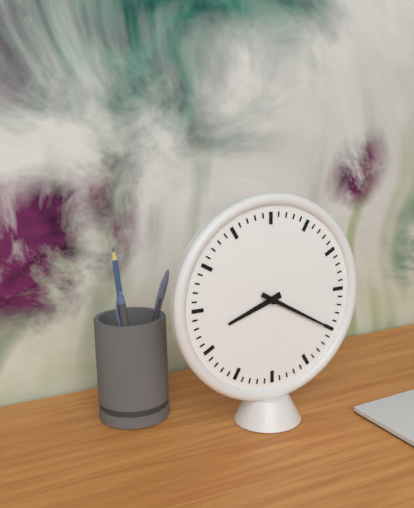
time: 8:20
